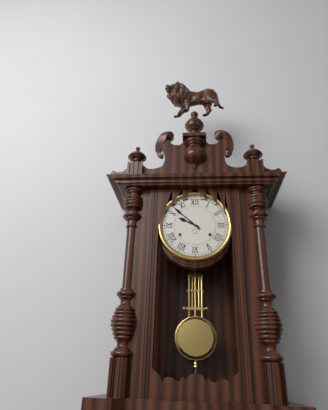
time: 9:52
